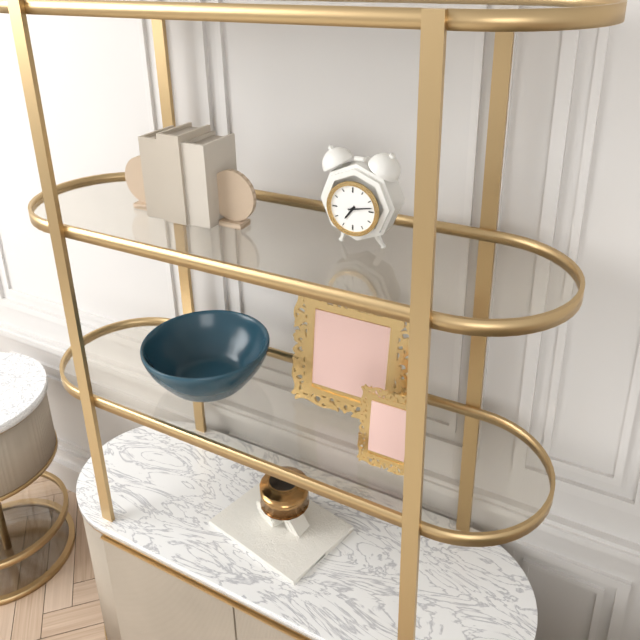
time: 7:13
